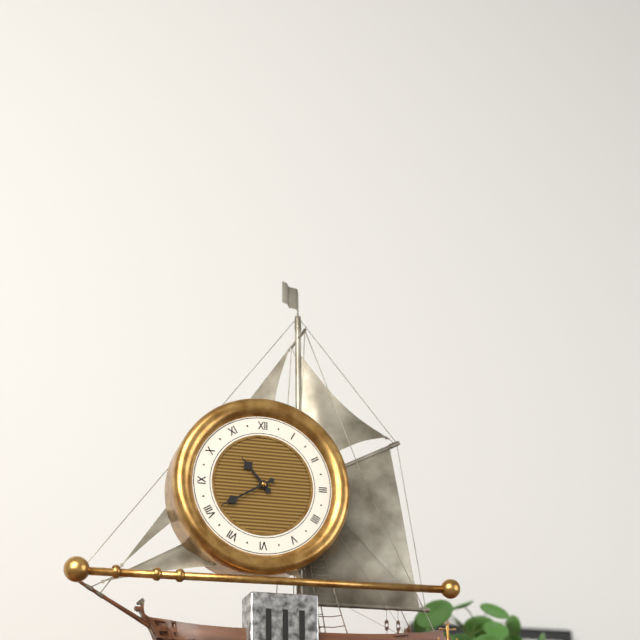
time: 10:40
